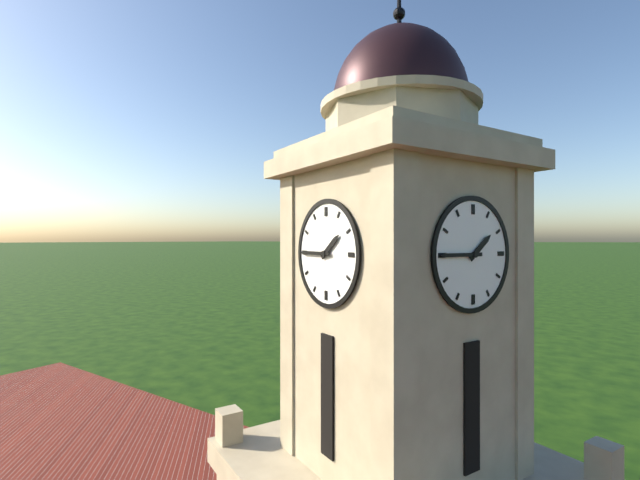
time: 1:45
